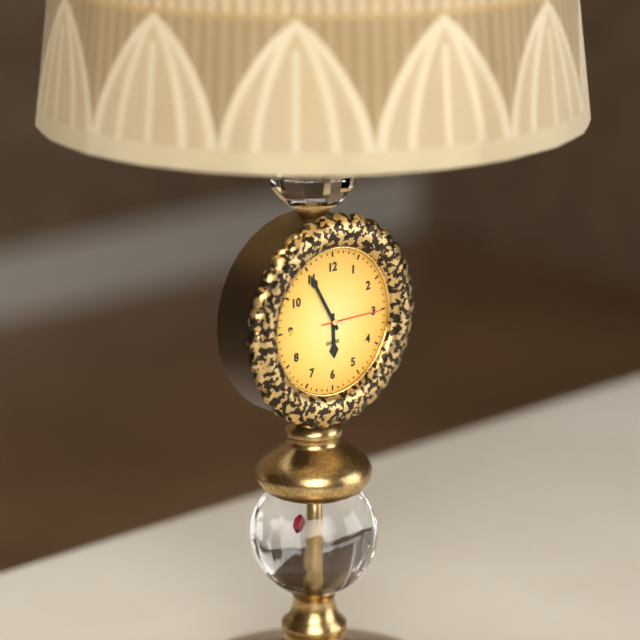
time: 5:55:15
